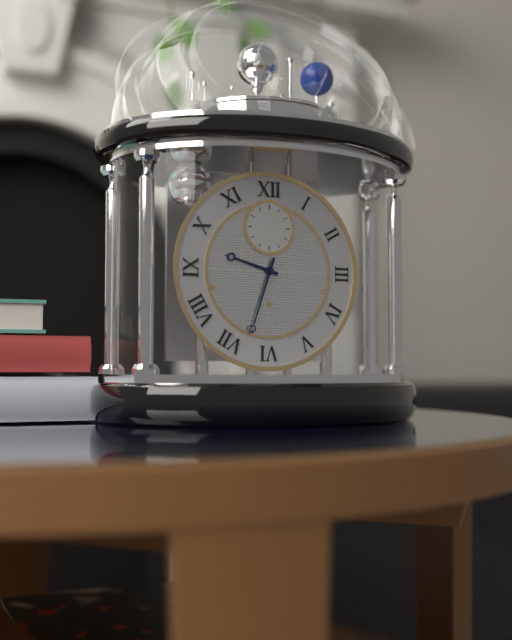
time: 9:33
